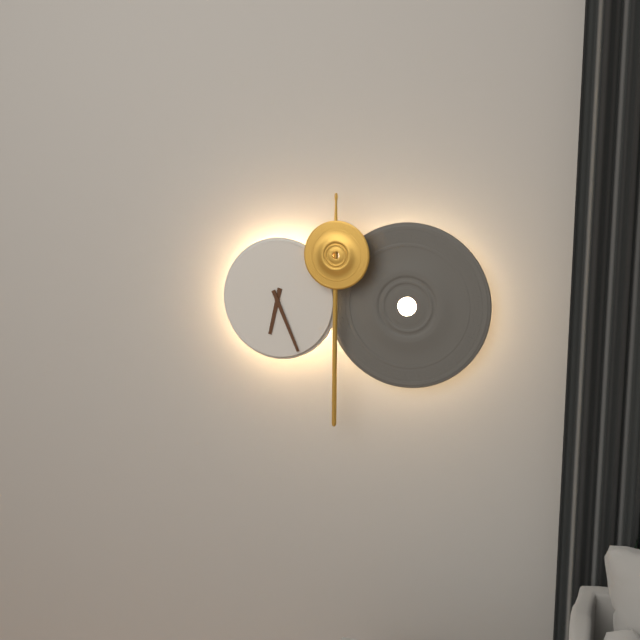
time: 6:26
